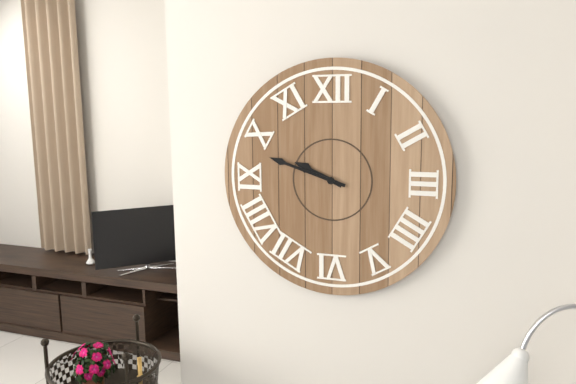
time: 9:48
